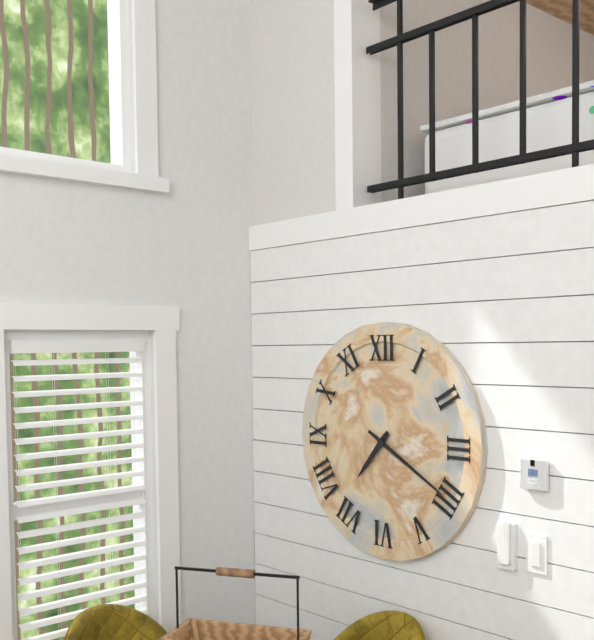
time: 7:20
